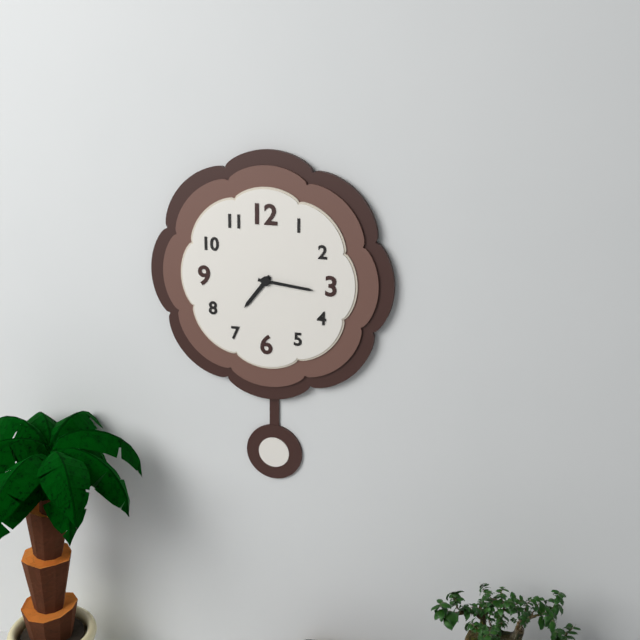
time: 7:16
